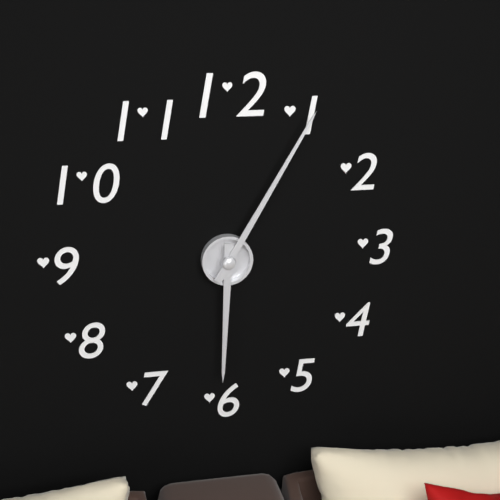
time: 6:05
